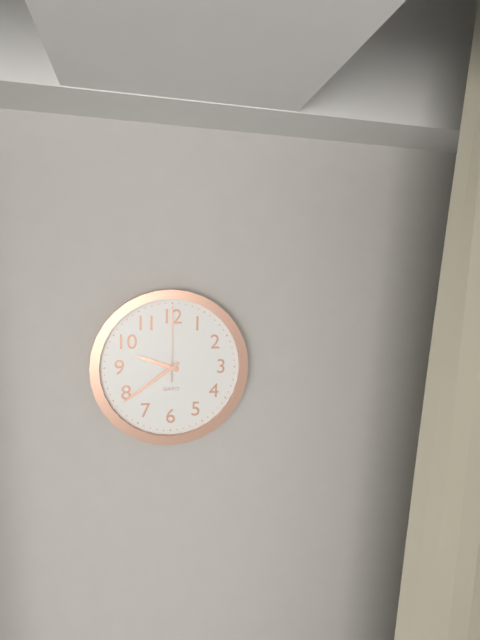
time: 9:39:00
